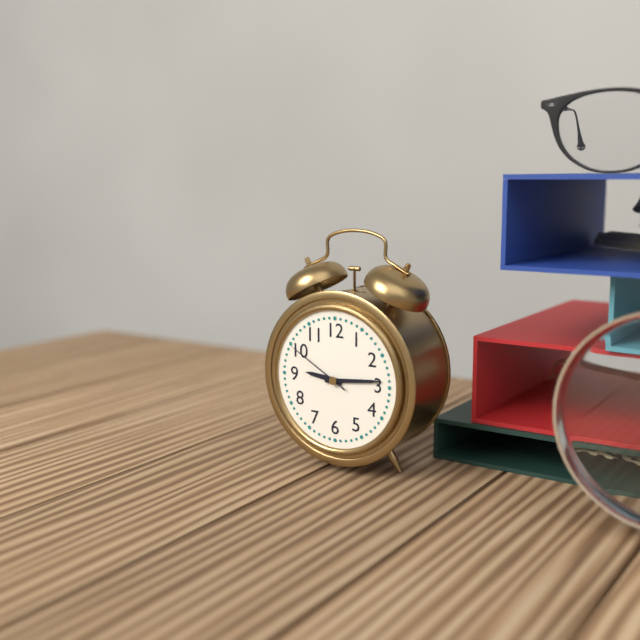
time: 9:14:50
